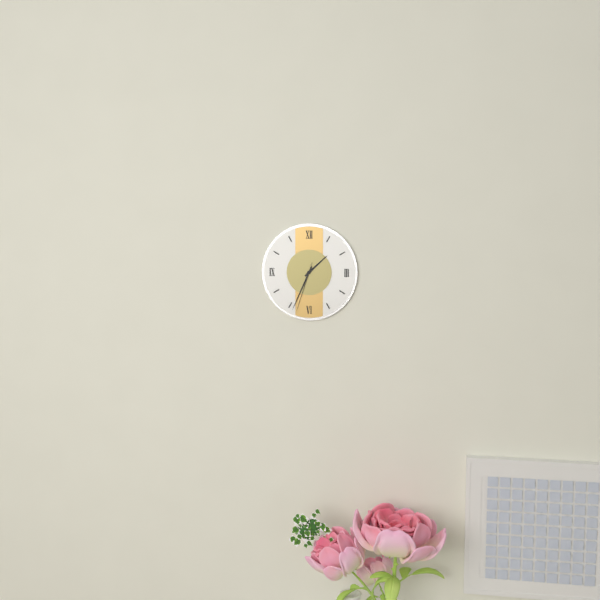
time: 1:34:33
